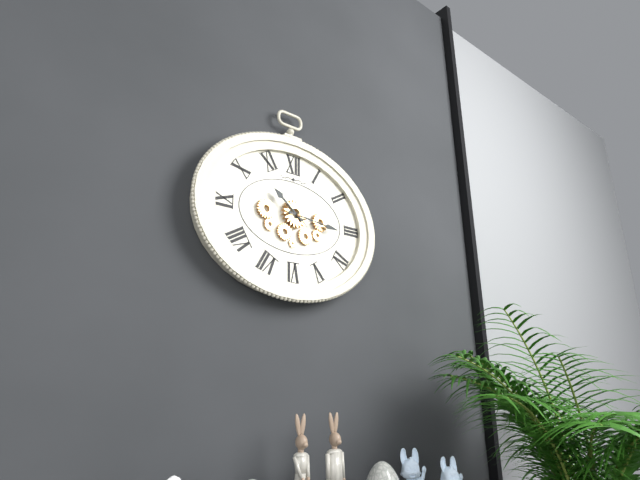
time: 10:16
